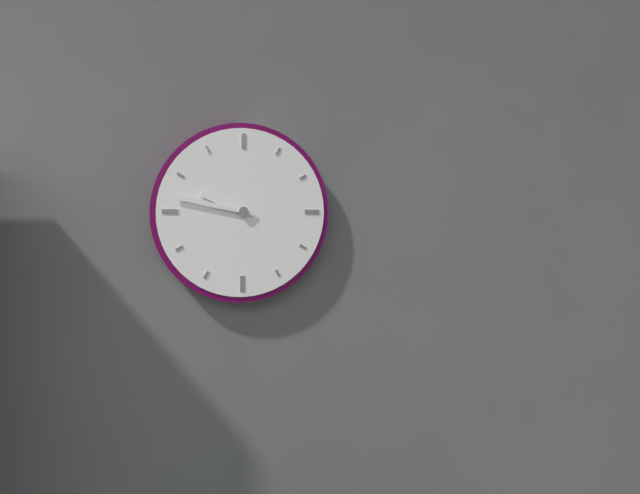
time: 9:47
